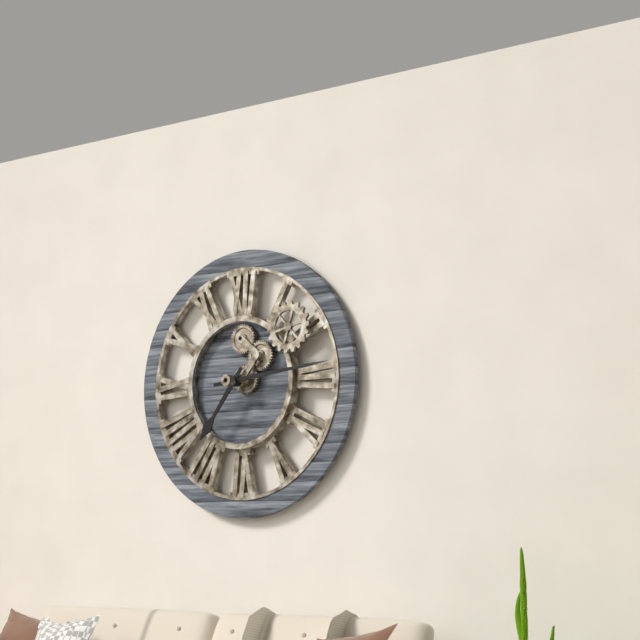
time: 7:14
